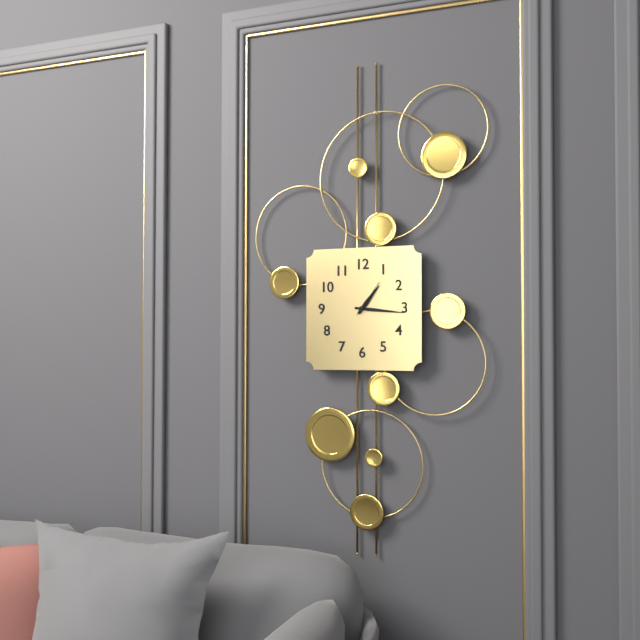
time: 1:16
